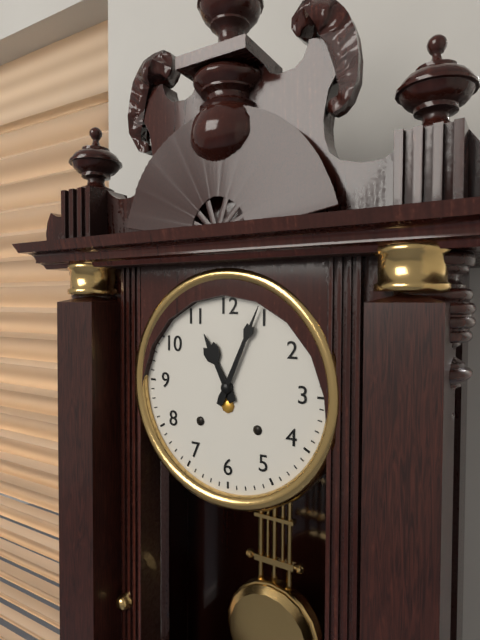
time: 11:04
